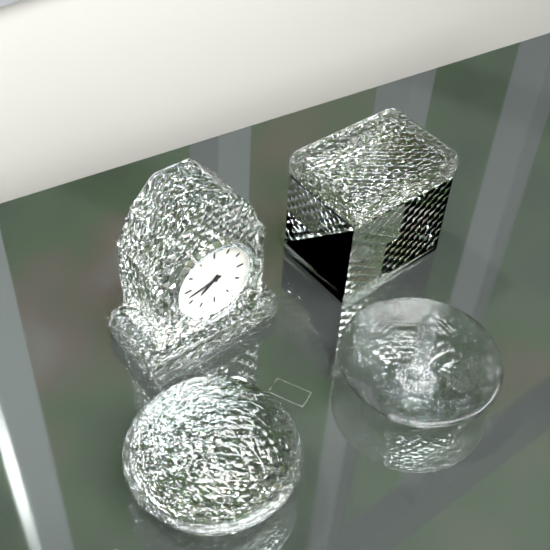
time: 7:43
